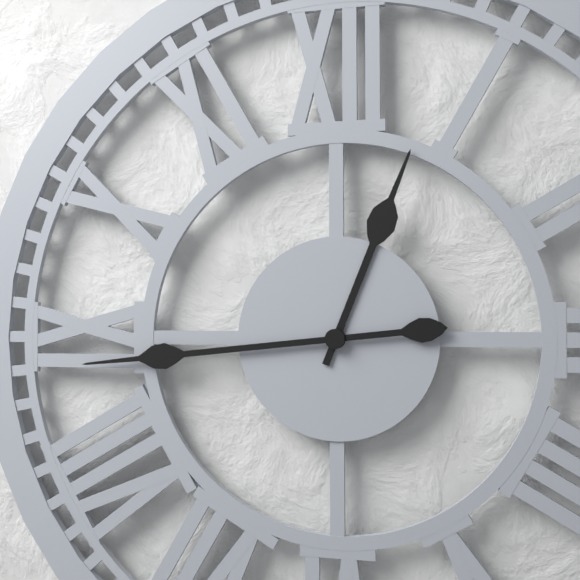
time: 12:44
